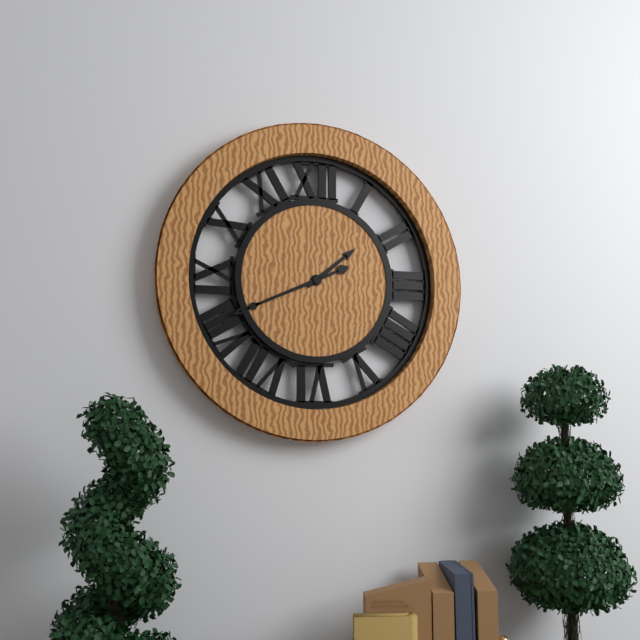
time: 1:41
